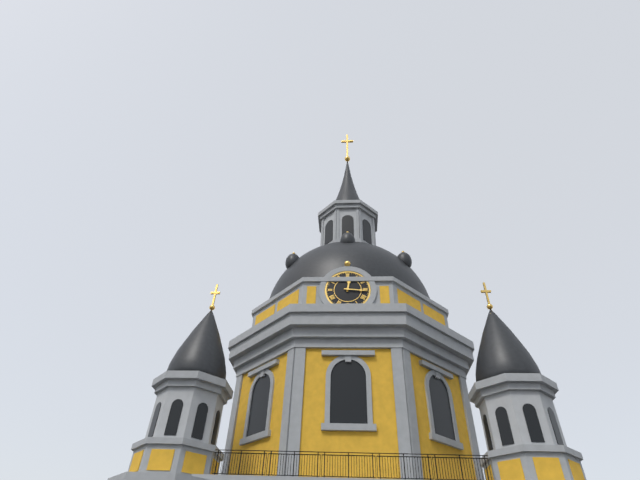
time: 12:16
